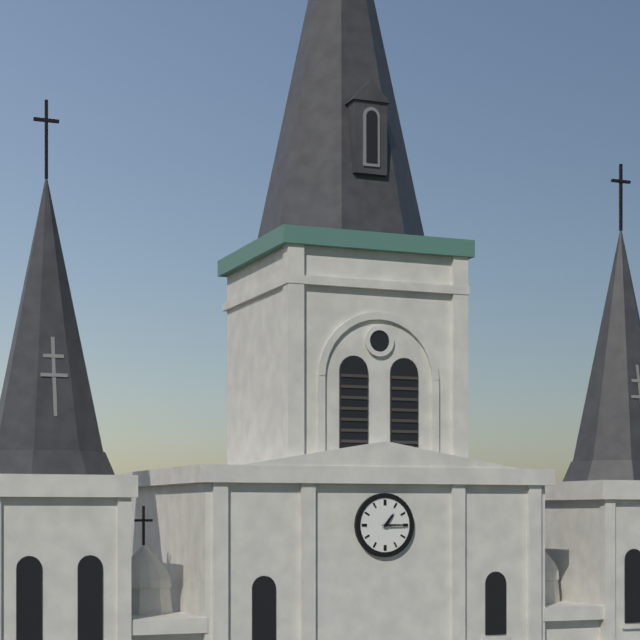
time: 1:15
